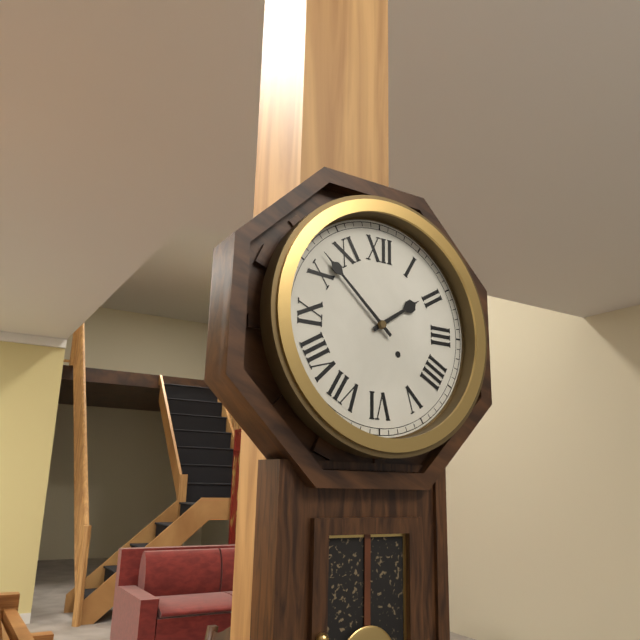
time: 1:52
